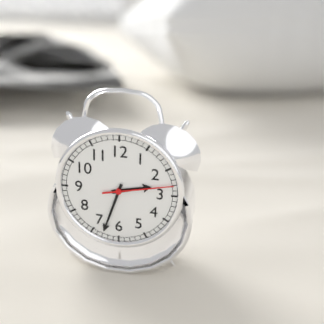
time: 2:33:13
